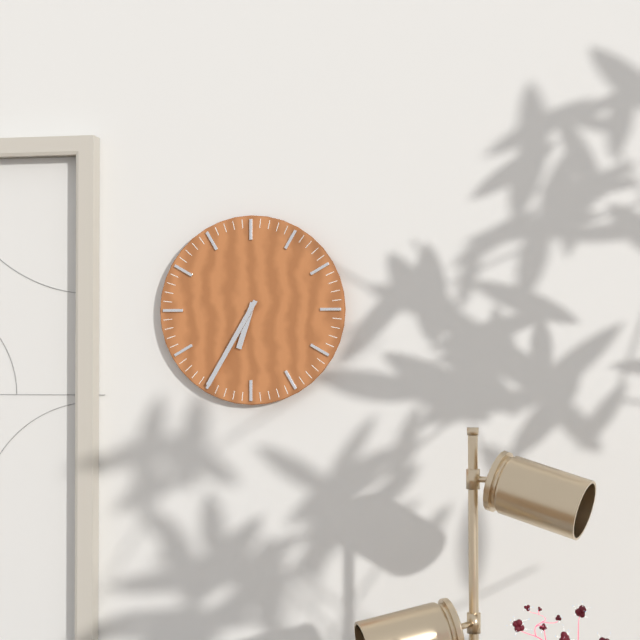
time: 6:35
